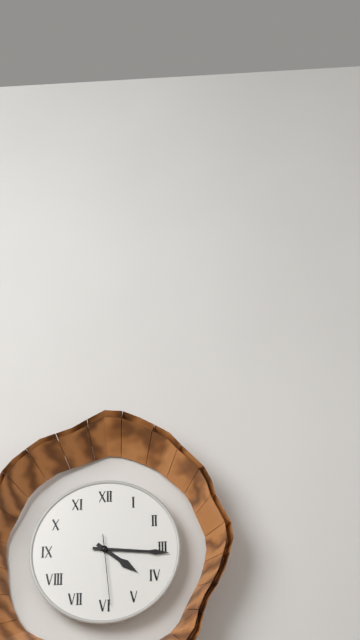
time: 4:16:29
